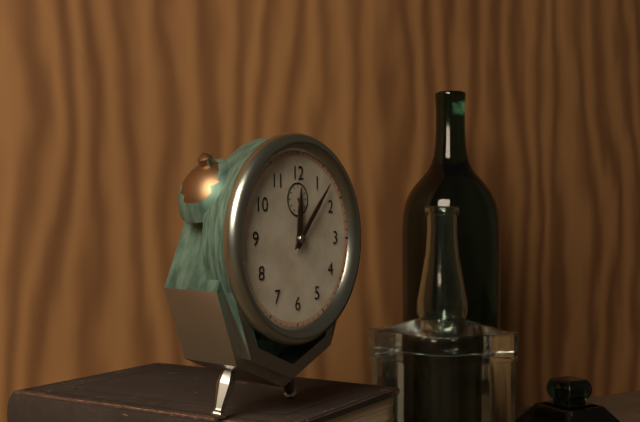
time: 12:07
